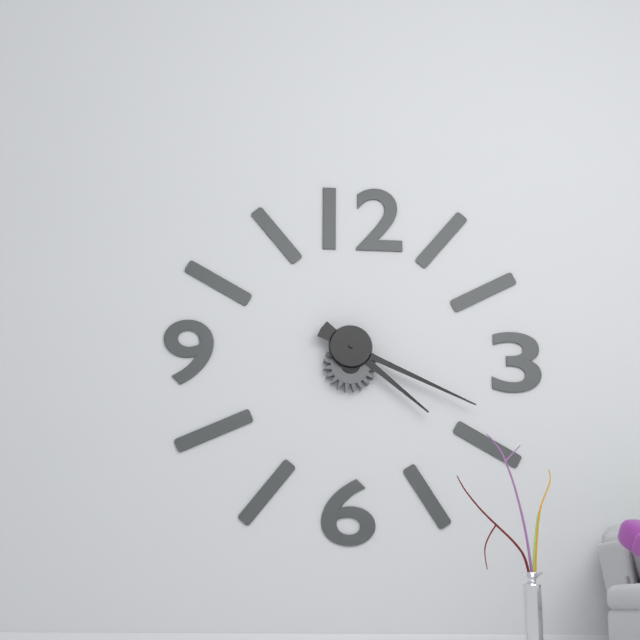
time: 4:19
